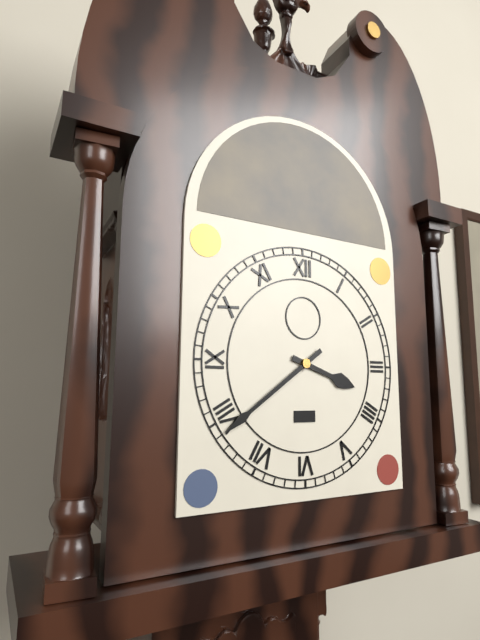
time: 3:39
